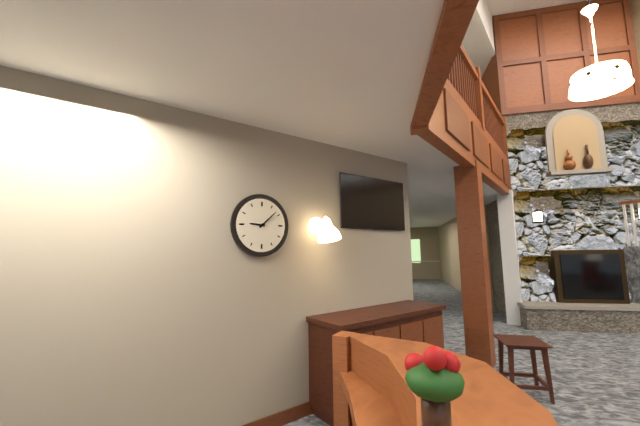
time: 9:08
